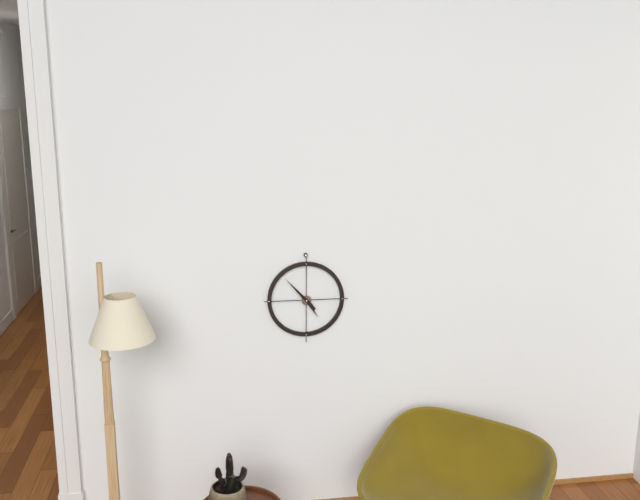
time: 4:53
